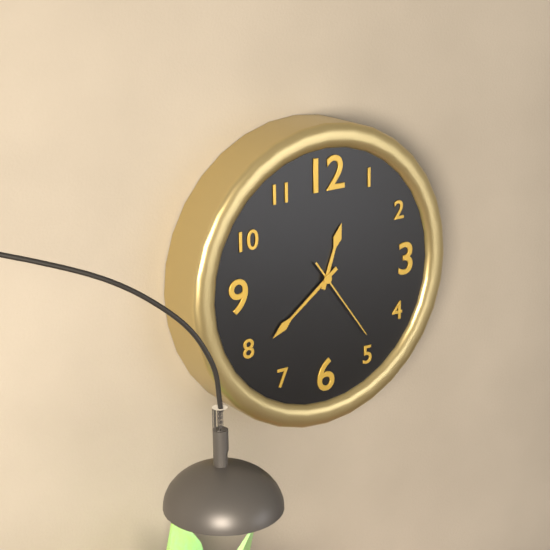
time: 12:39:24
